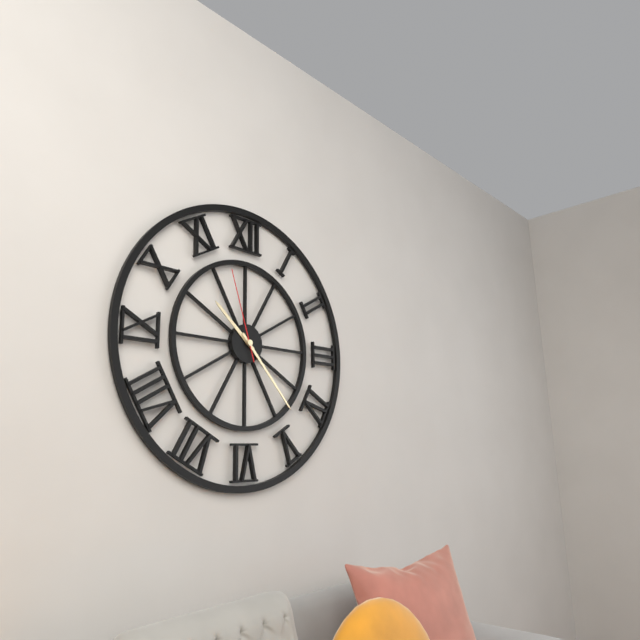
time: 10:23:57
